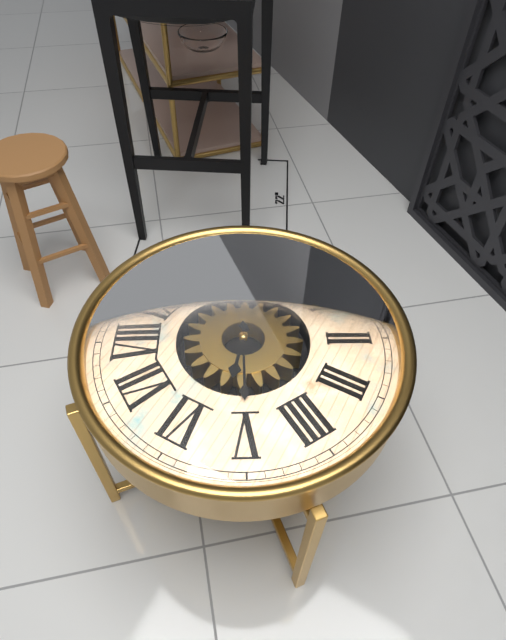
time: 5:25
